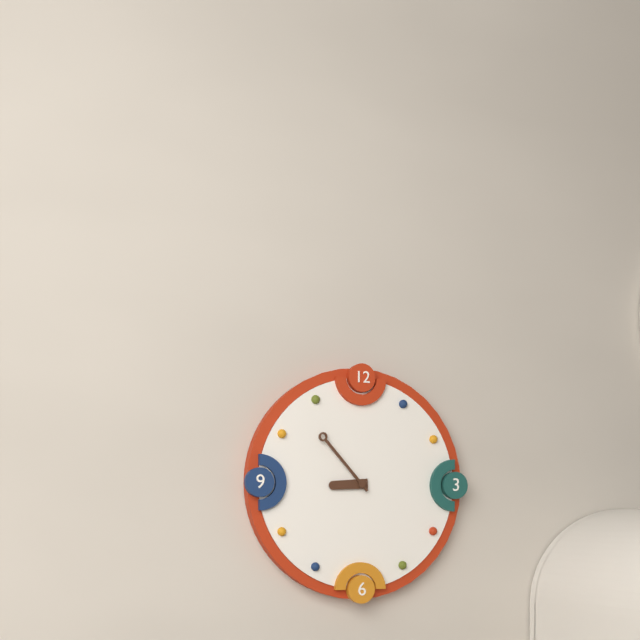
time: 8:53
